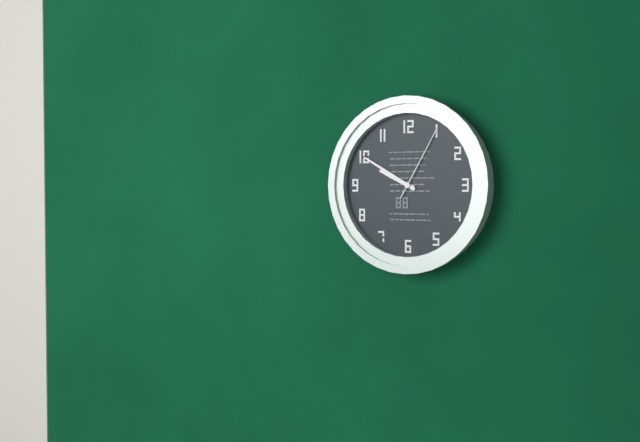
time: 9:50:05
